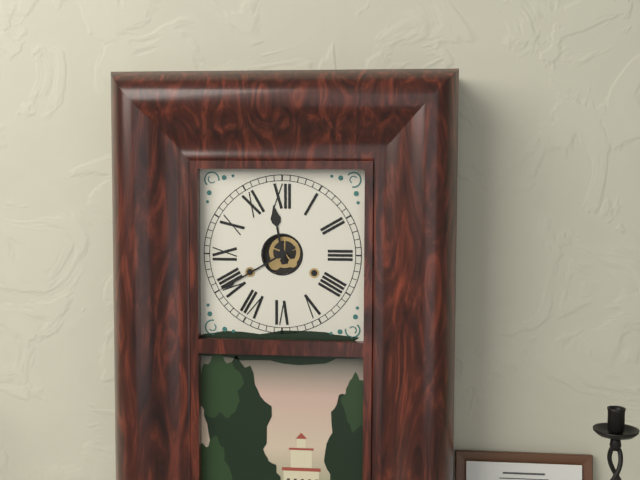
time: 11:40
